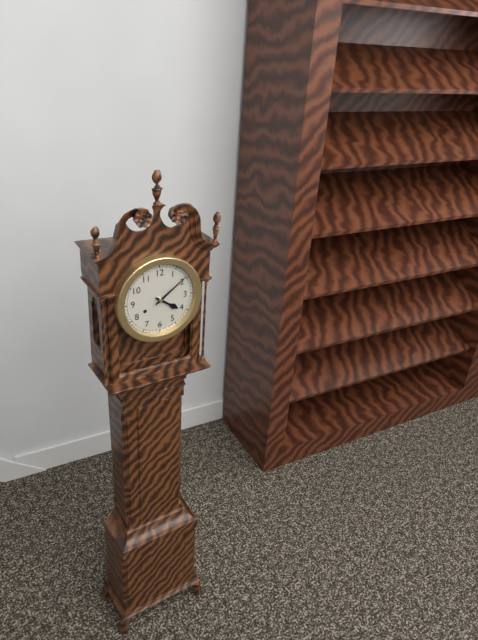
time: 4:09
